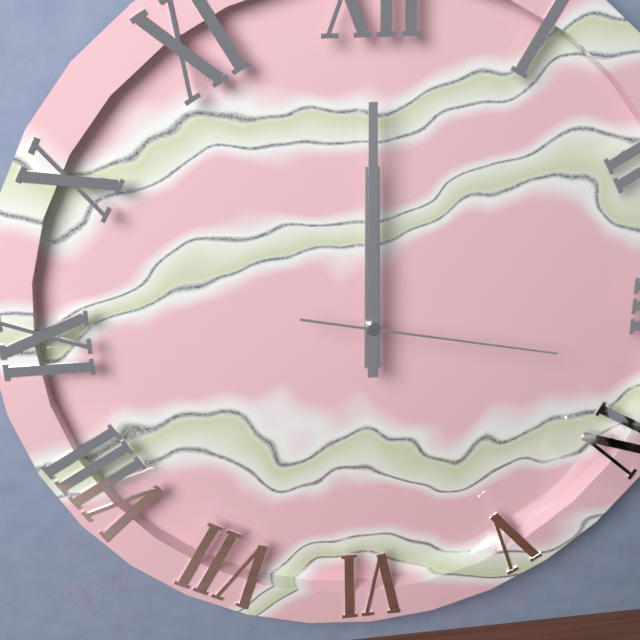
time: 12:00:17
